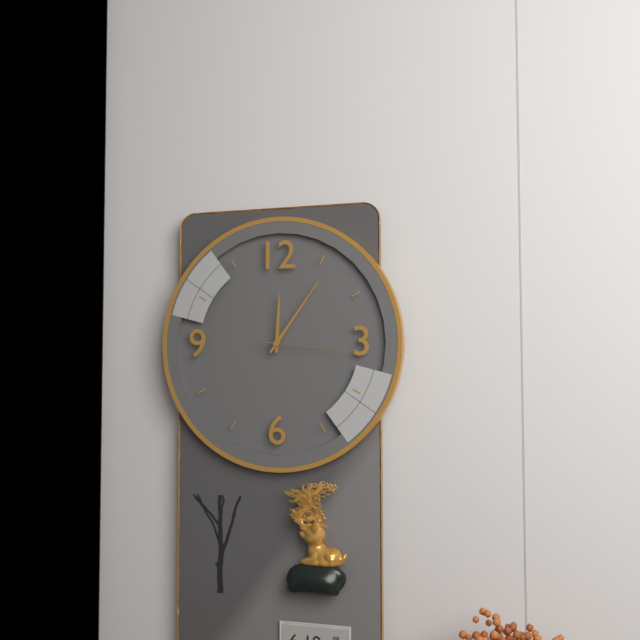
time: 12:06:16
